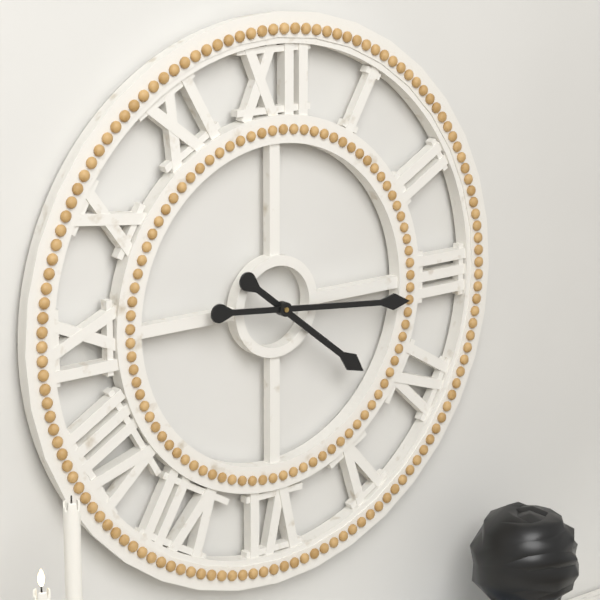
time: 4:16
